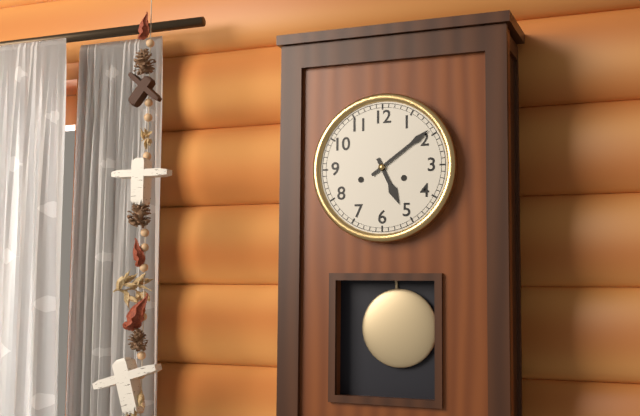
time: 5:09
